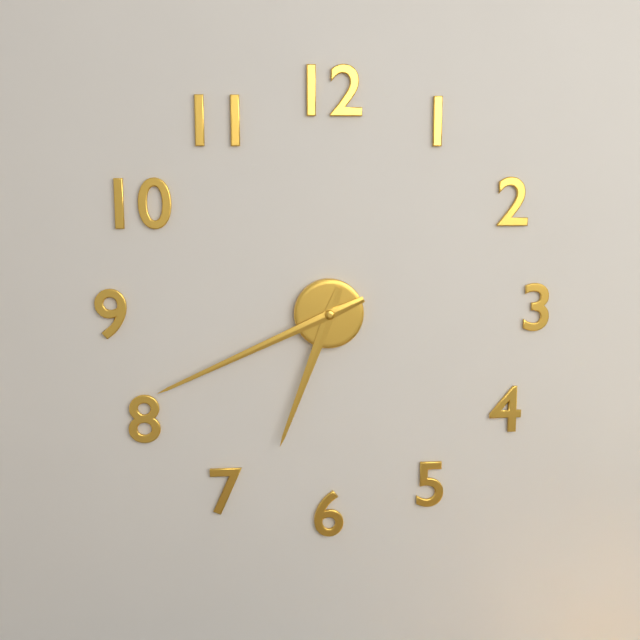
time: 6:41
